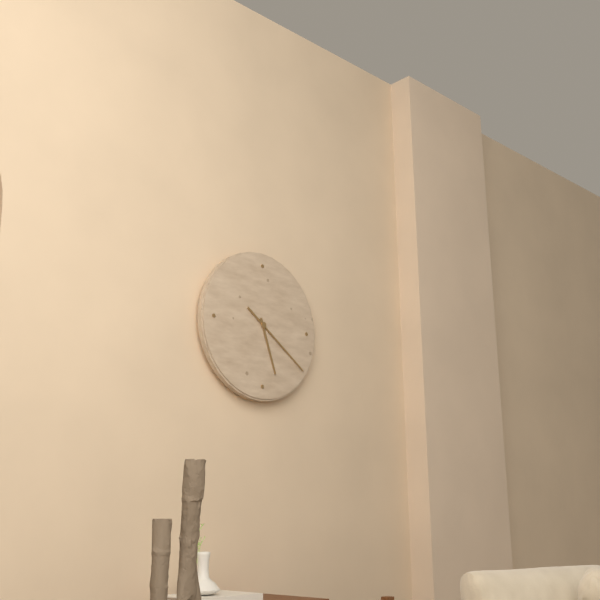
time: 5:21
